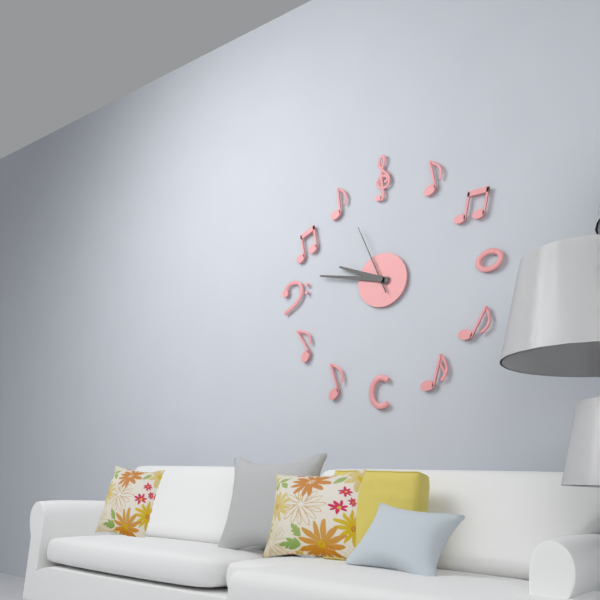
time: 9:47:56
